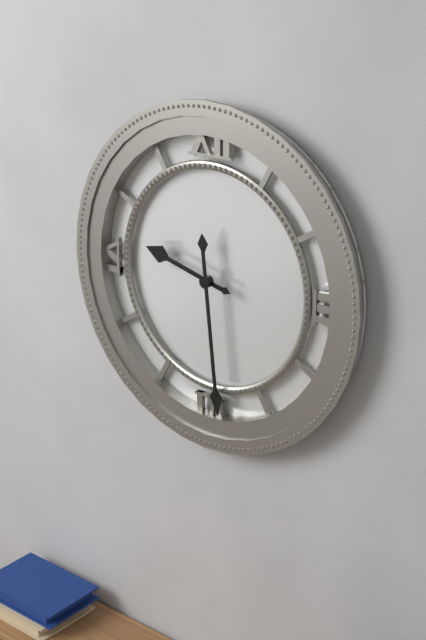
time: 9:29
